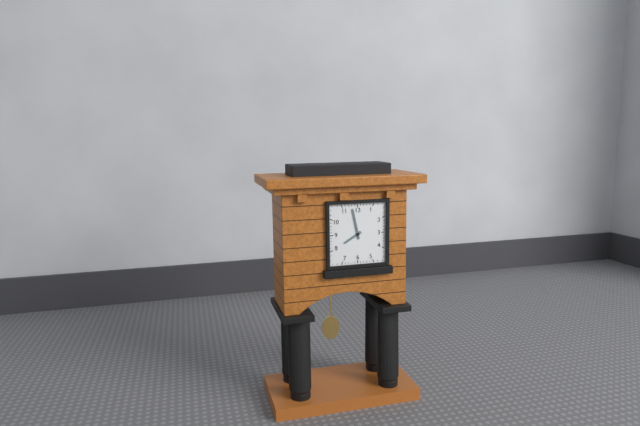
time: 7:58
